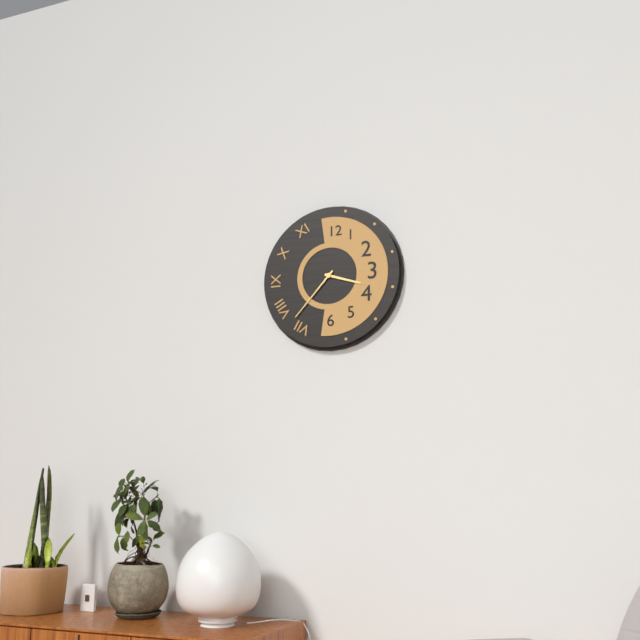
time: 3:37
